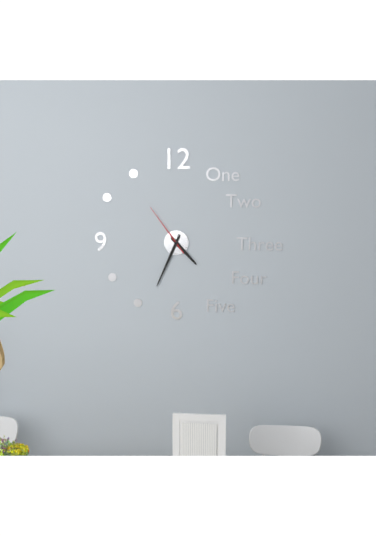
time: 4:34:54
